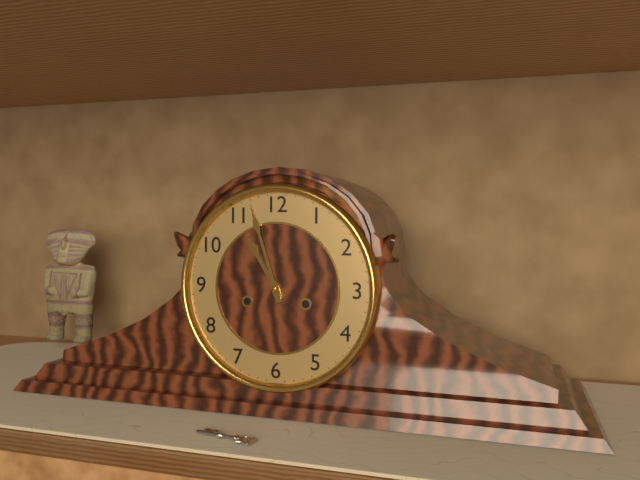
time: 10:57
